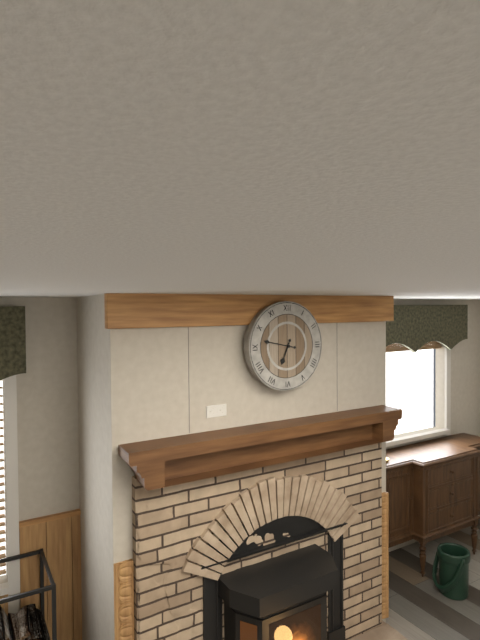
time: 6:47
